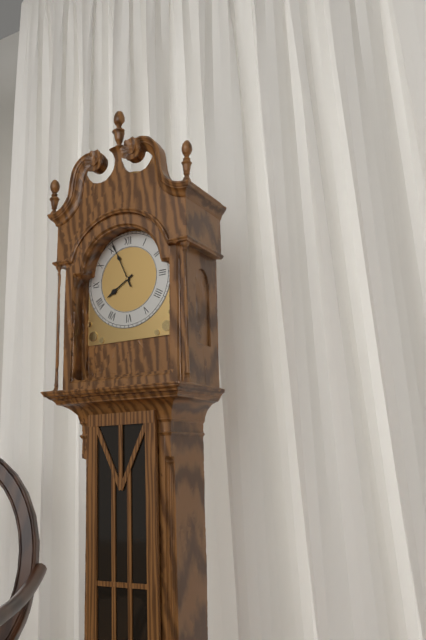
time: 7:56
